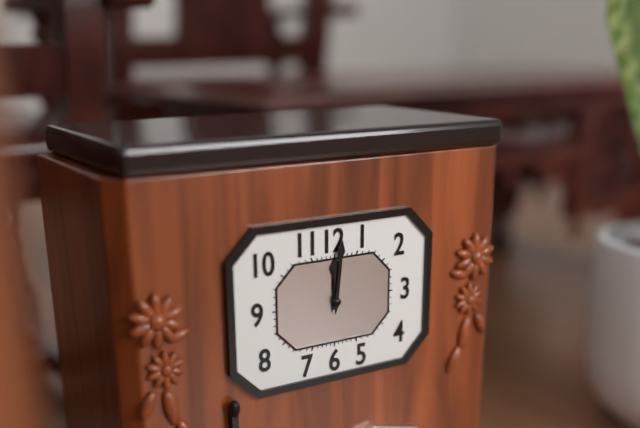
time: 12:01
